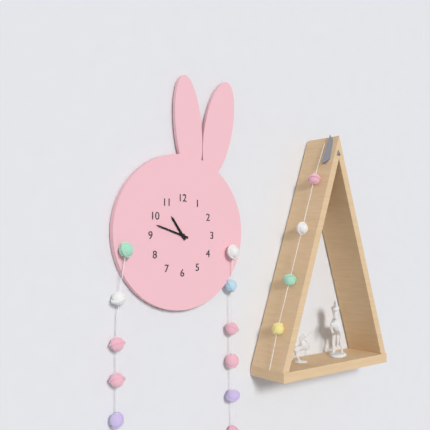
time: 10:48
